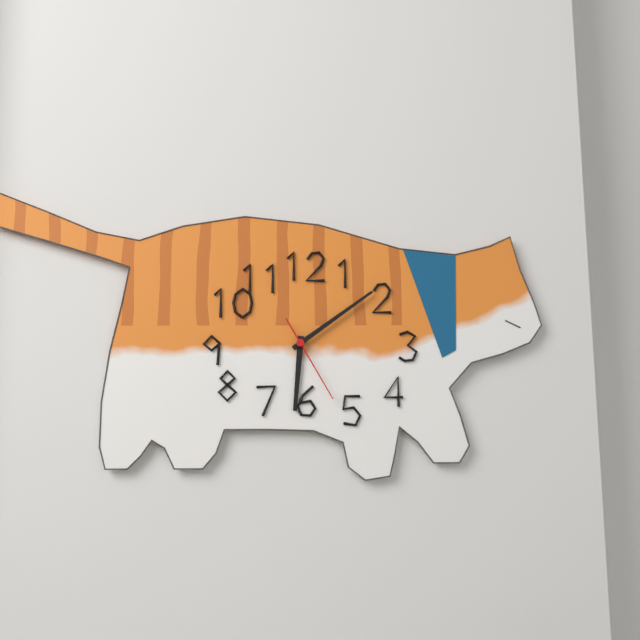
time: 6:09:25
